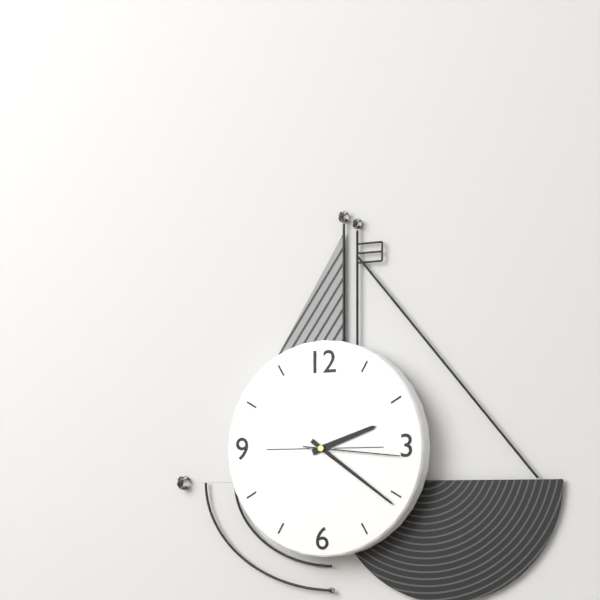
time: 2:21:16
